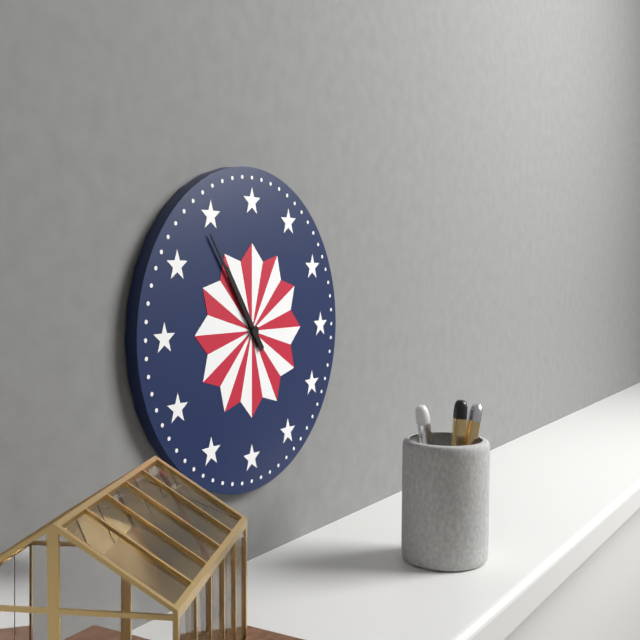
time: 10:54
